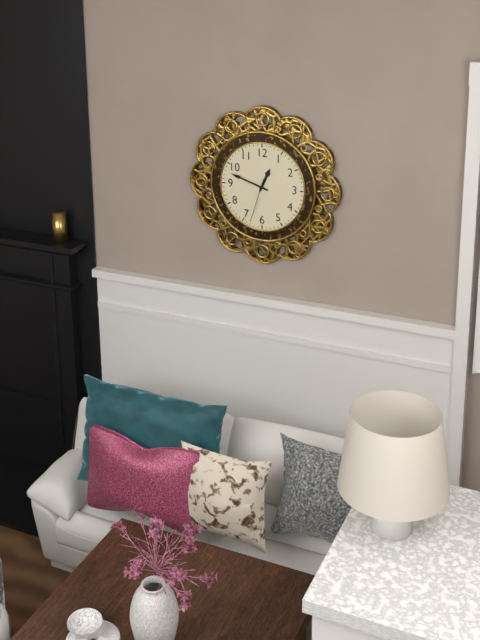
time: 12:48
